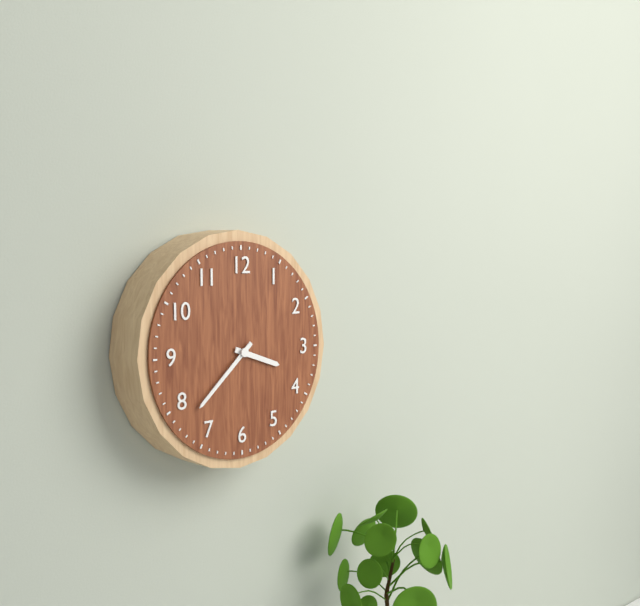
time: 3:38
